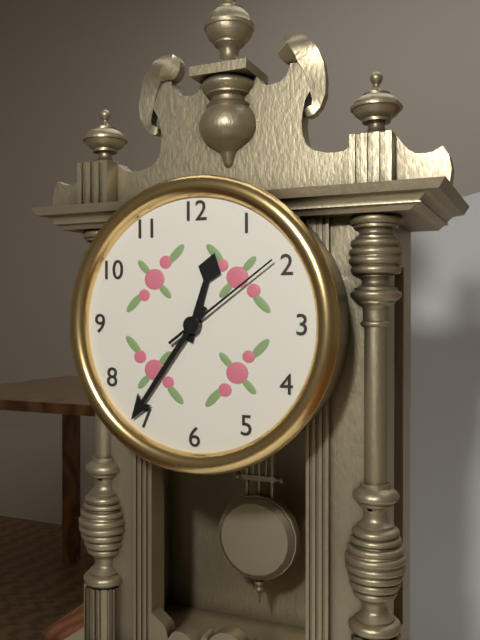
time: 12:36:09
